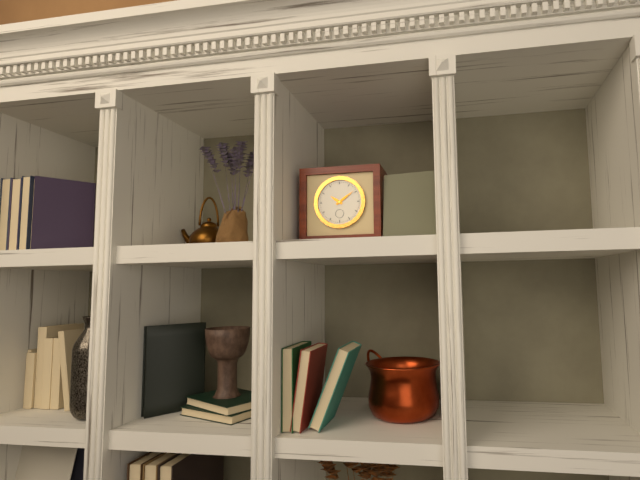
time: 10:09
